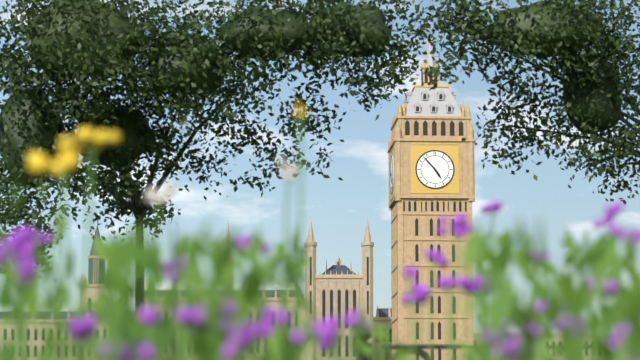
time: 4:53
